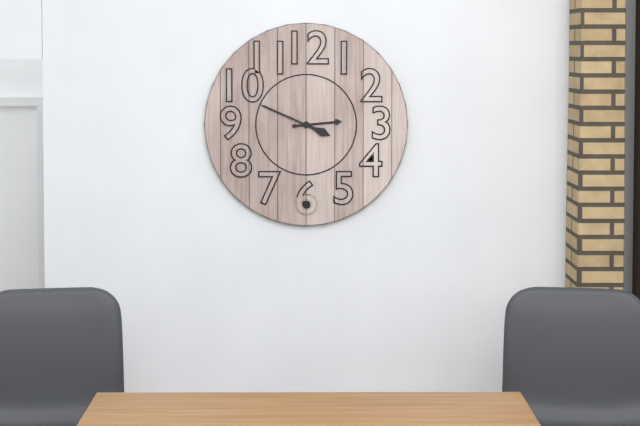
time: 2:49
